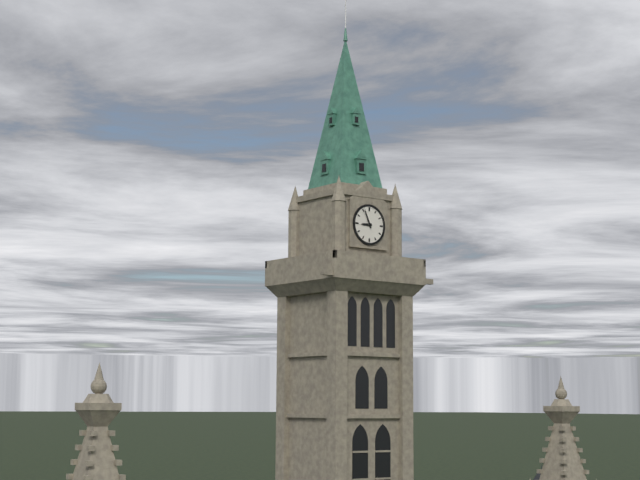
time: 8:56
